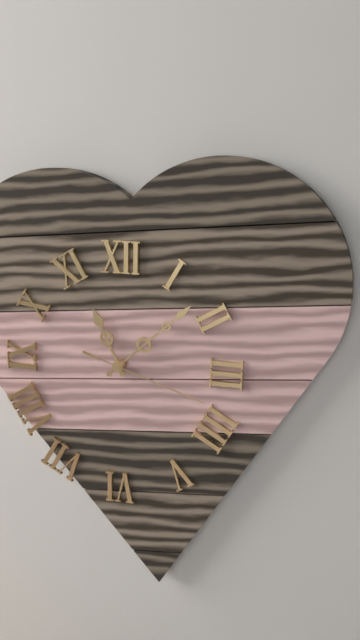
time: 11:08:18
